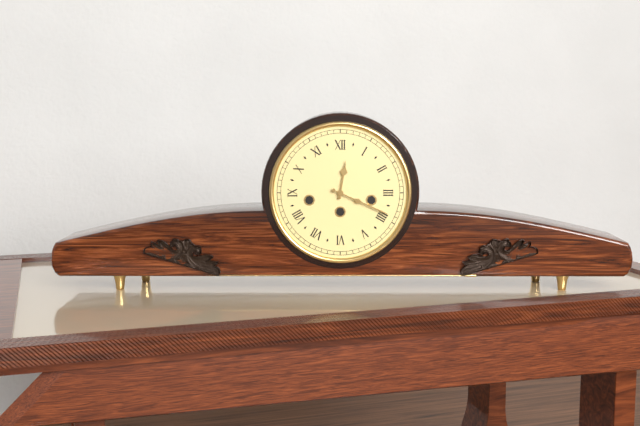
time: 12:19
